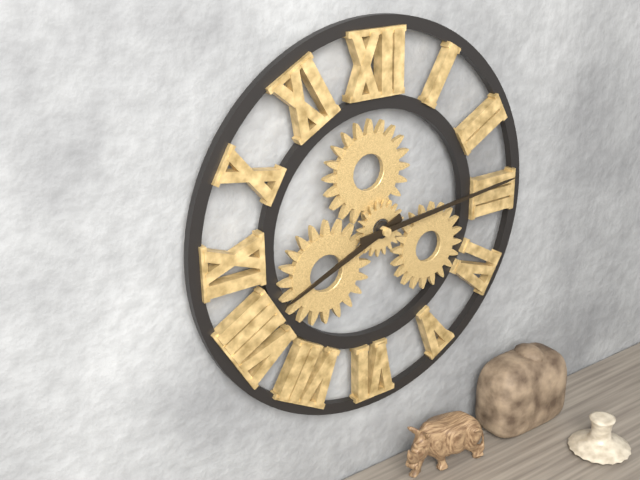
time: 8:14
